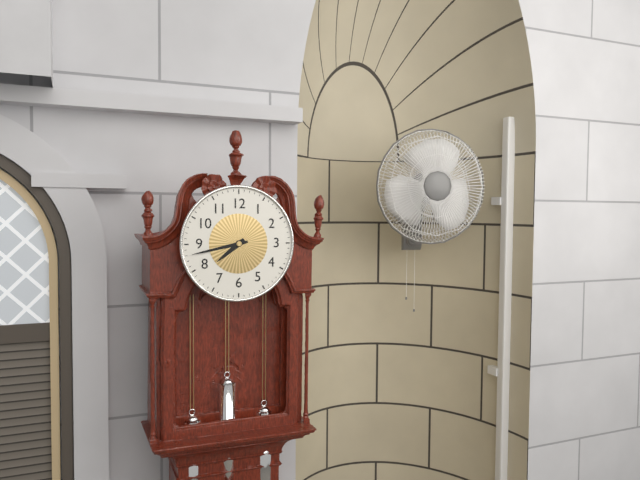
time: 7:43
